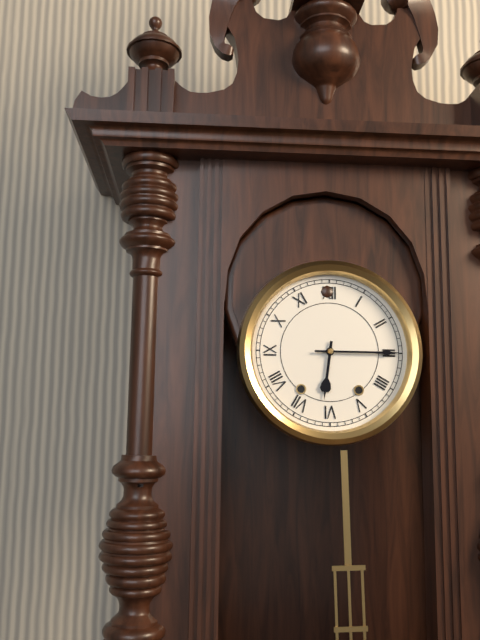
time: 6:15
